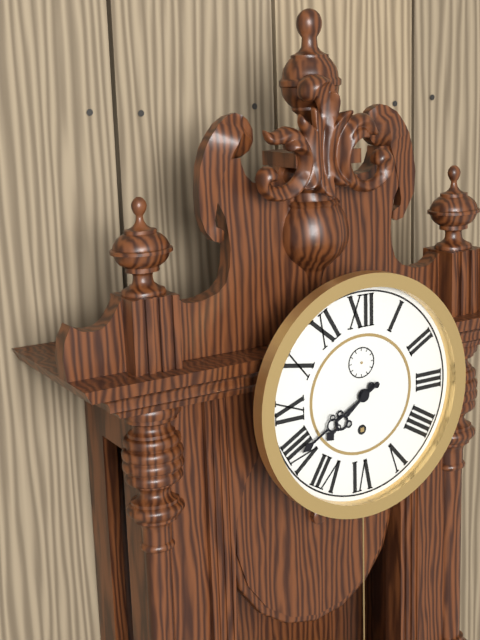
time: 7:40
